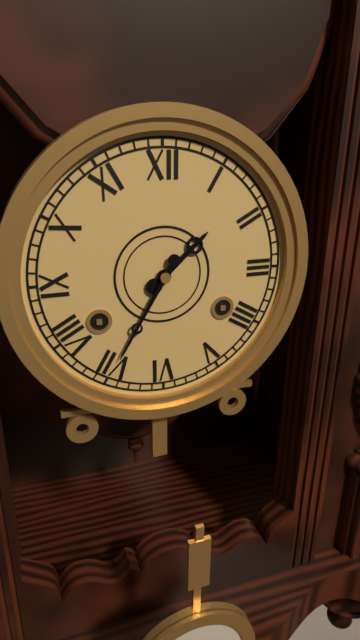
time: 1:35
